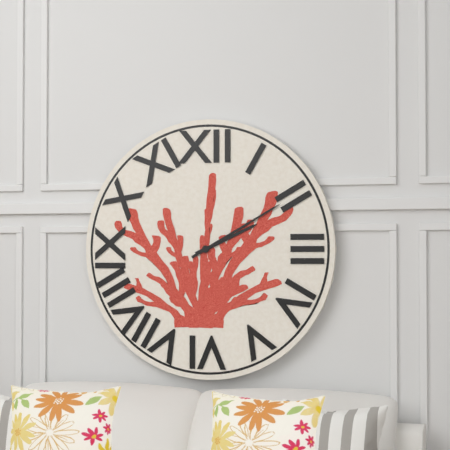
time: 2:10
